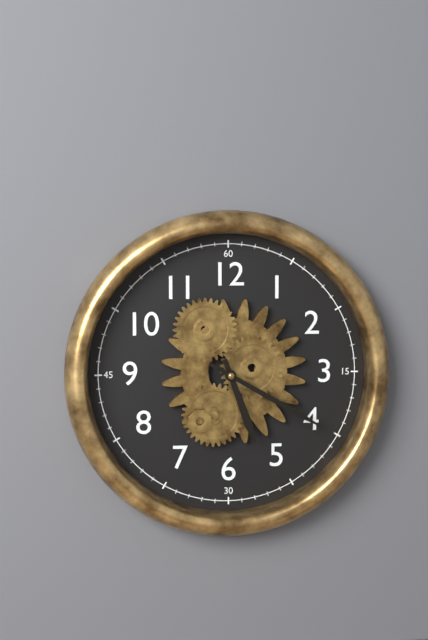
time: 5:20
